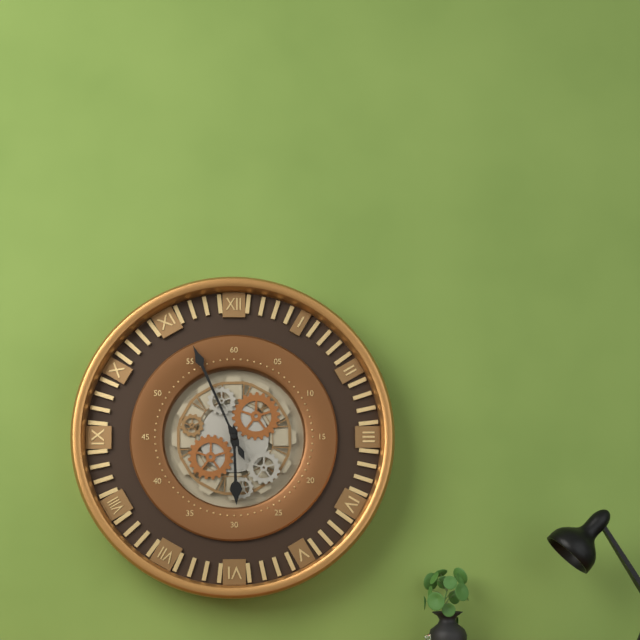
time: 5:56
